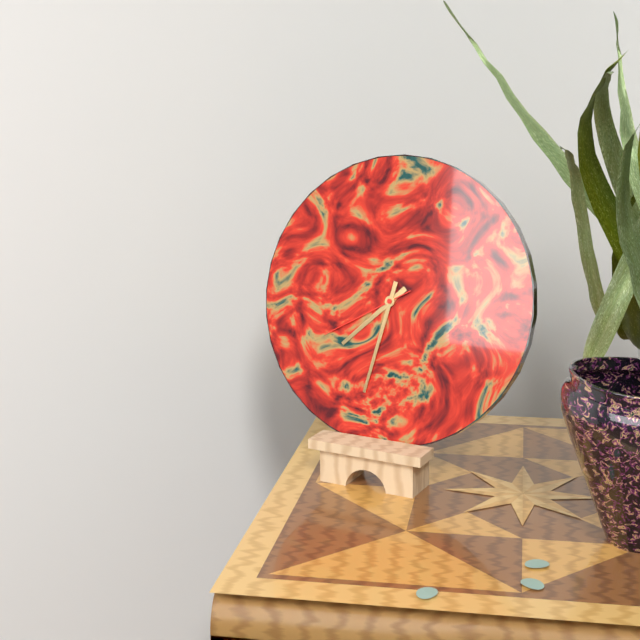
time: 7:32:40
